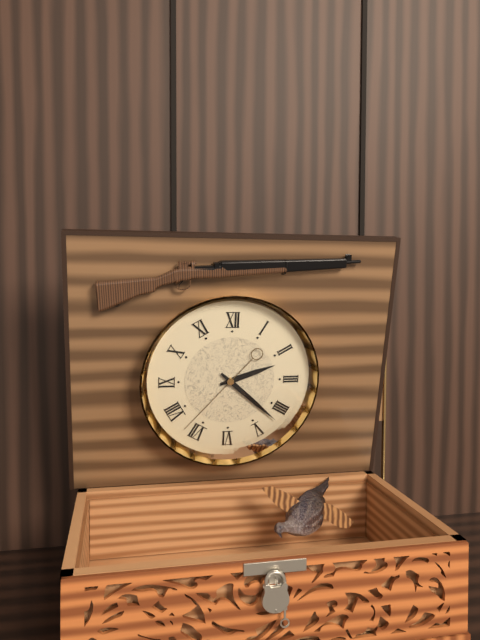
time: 2:22:37
